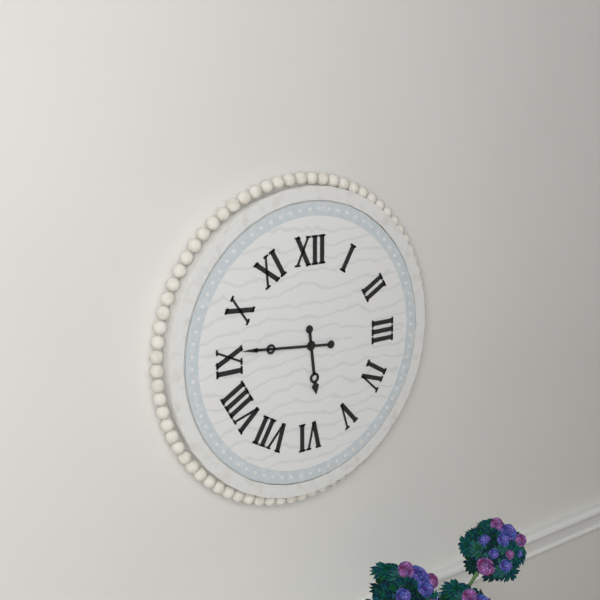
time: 5:46
